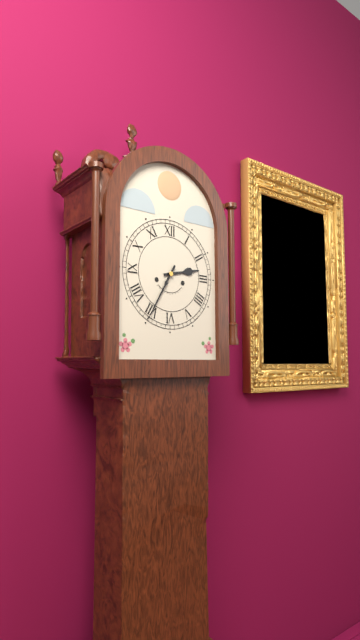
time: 2:35
